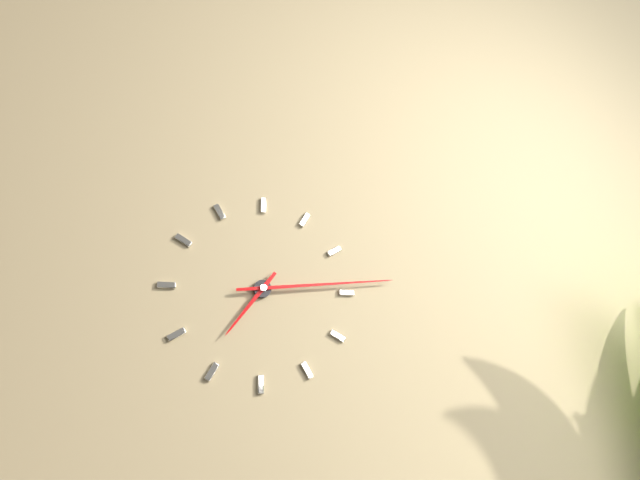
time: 7:14
